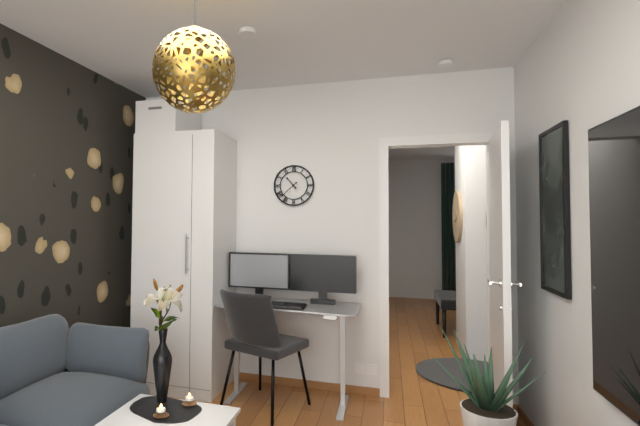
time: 10:38
